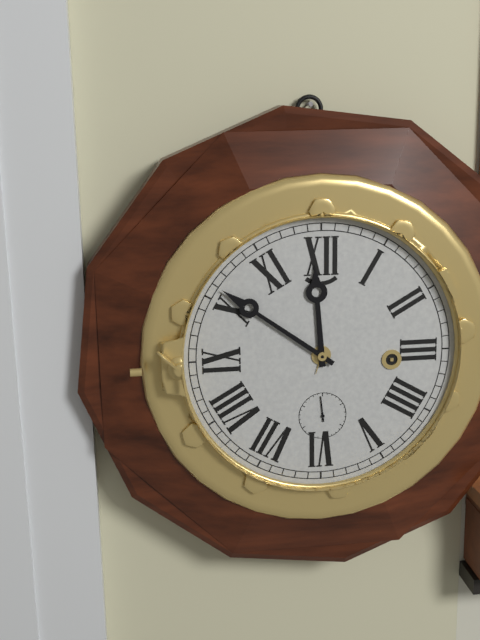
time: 11:51
